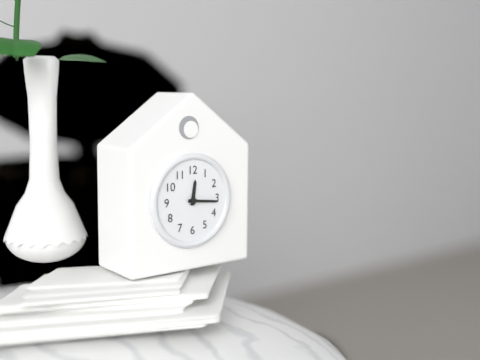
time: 12:16
